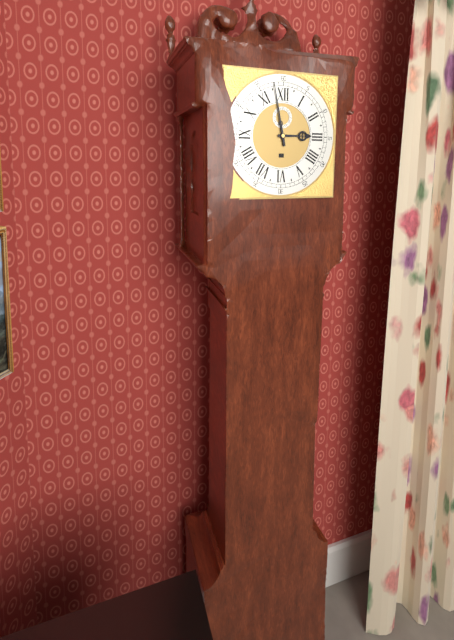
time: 2:58
